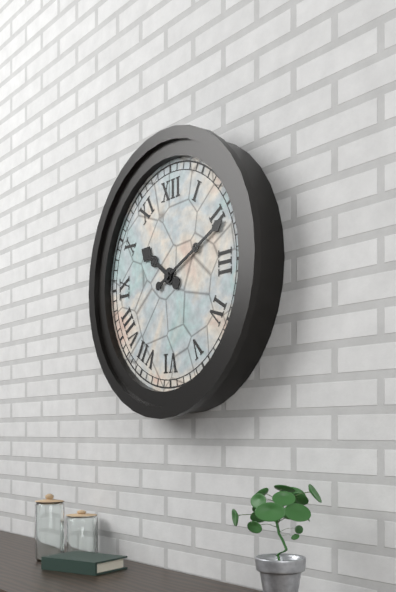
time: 10:11
